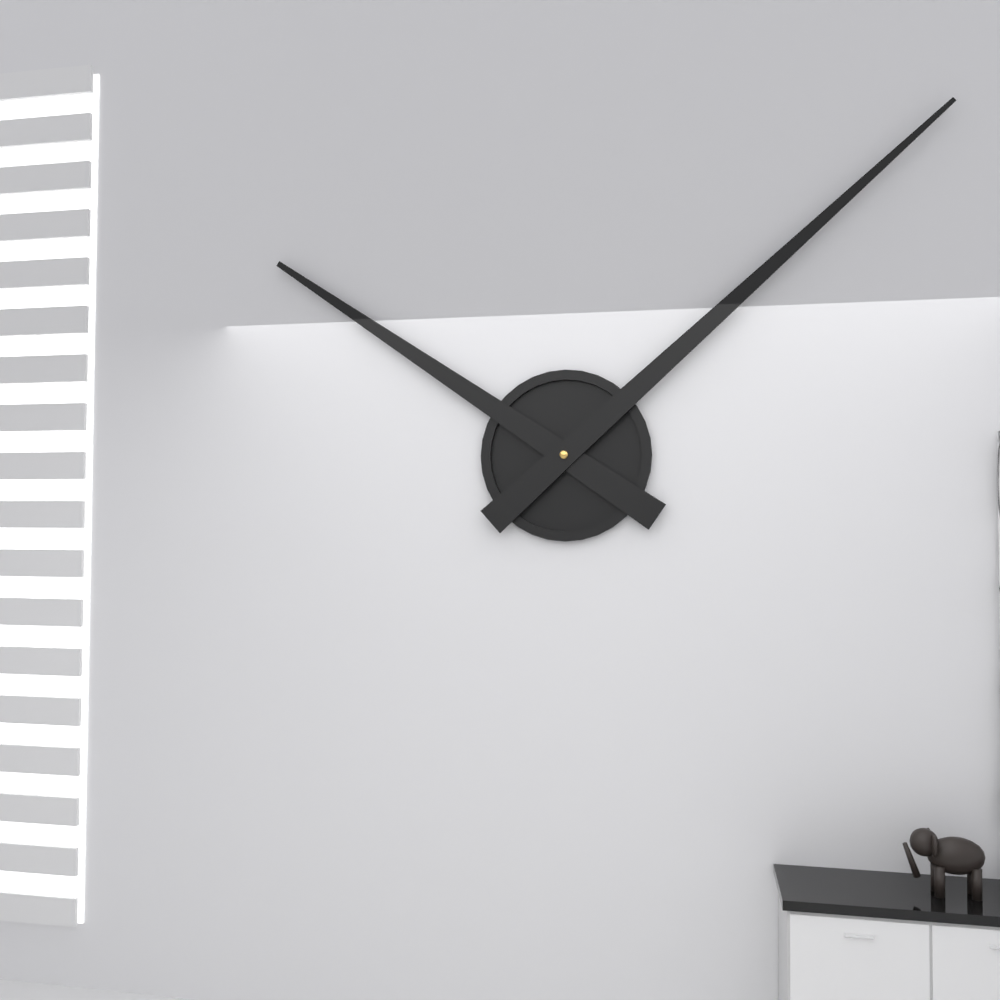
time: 10:08
